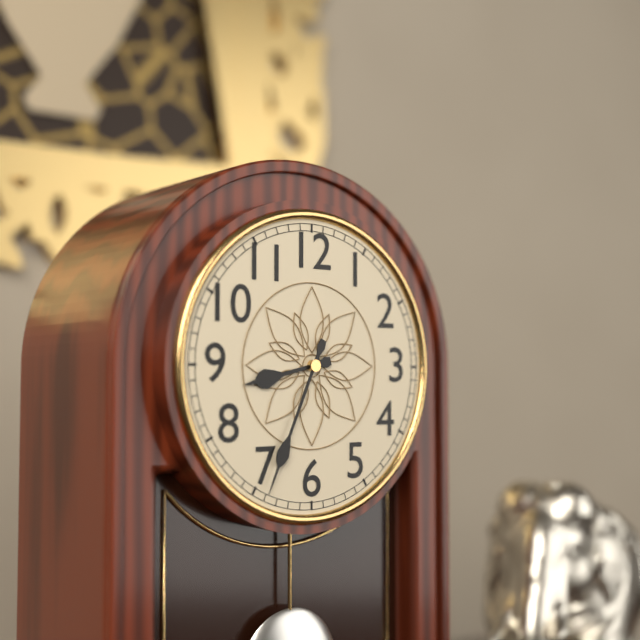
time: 8:34
